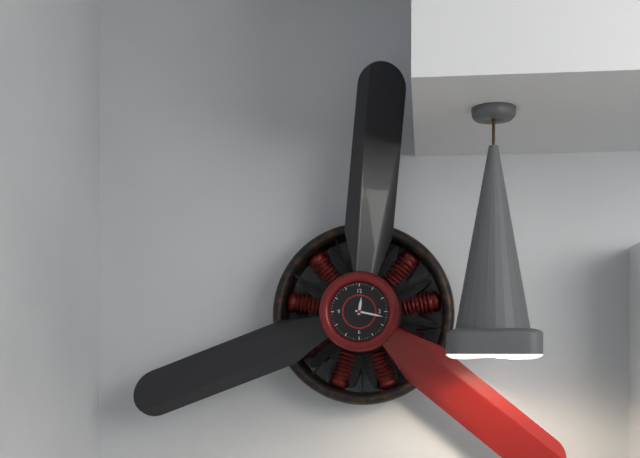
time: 12:17
